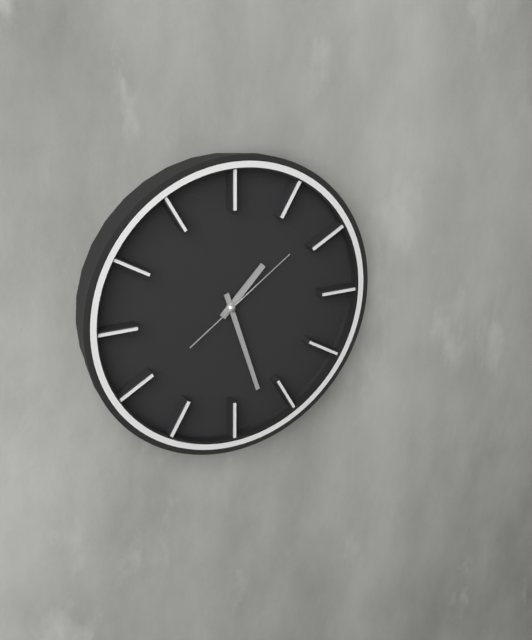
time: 1:27:09
